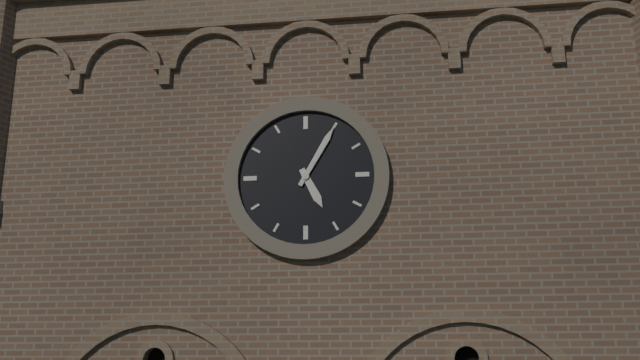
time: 5:05
